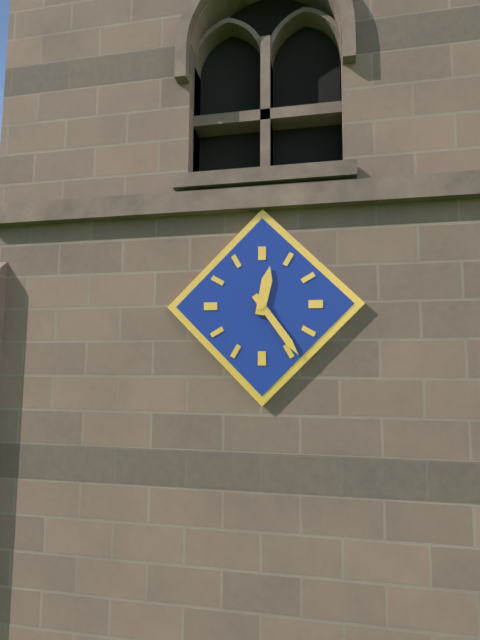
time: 12:24
